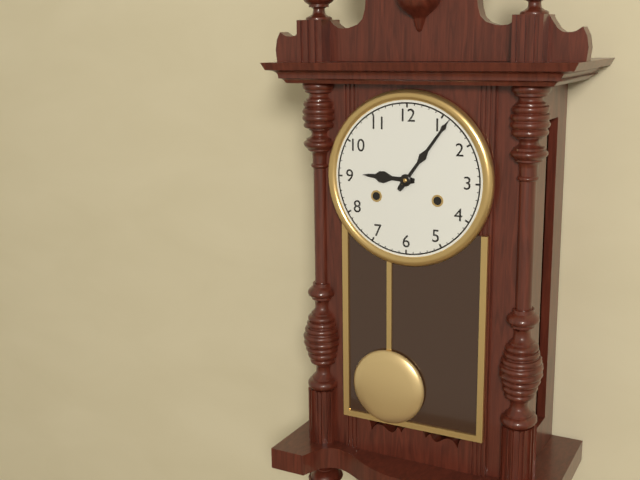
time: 9:06
